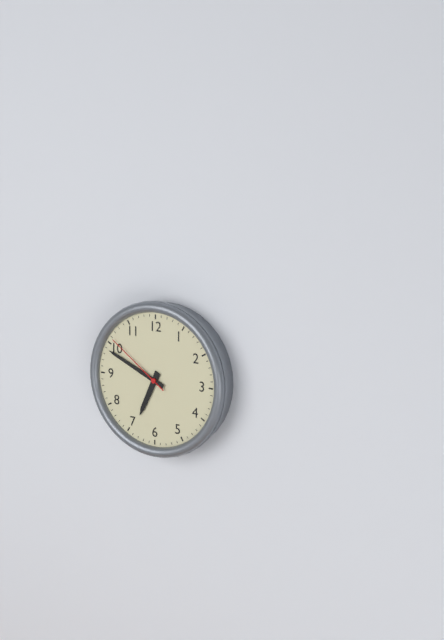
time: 6:49:51
